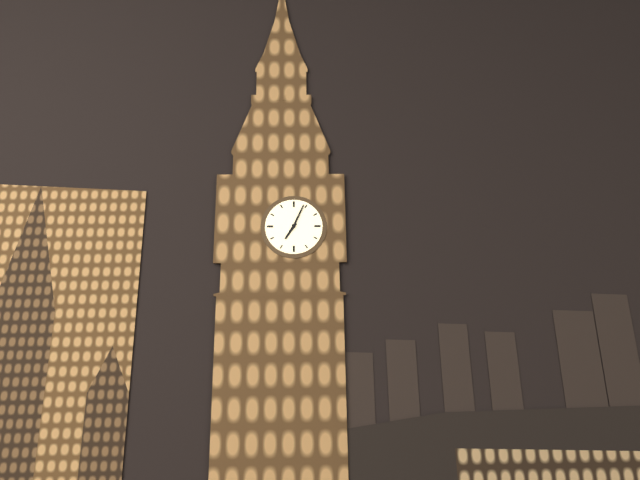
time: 7:04
